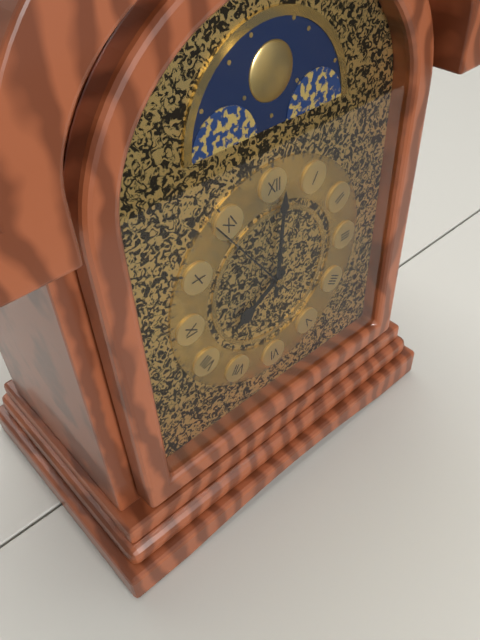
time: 8:01:54
